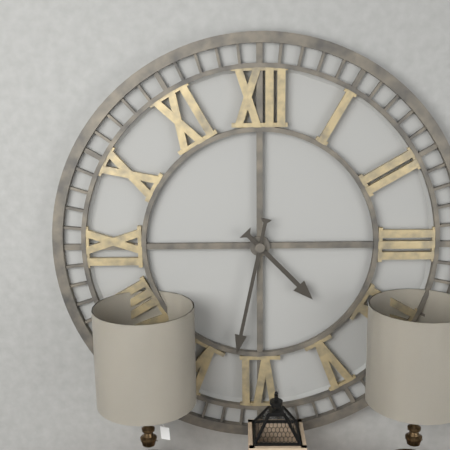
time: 4:32
